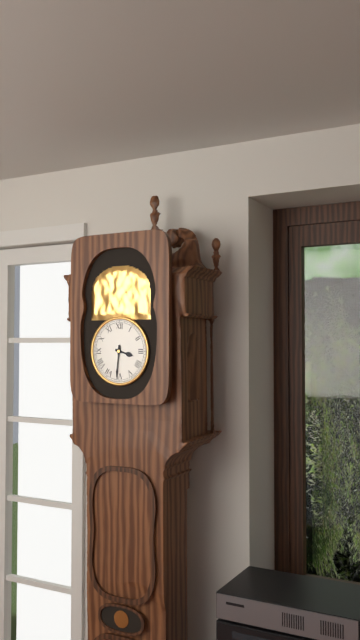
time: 3:31
